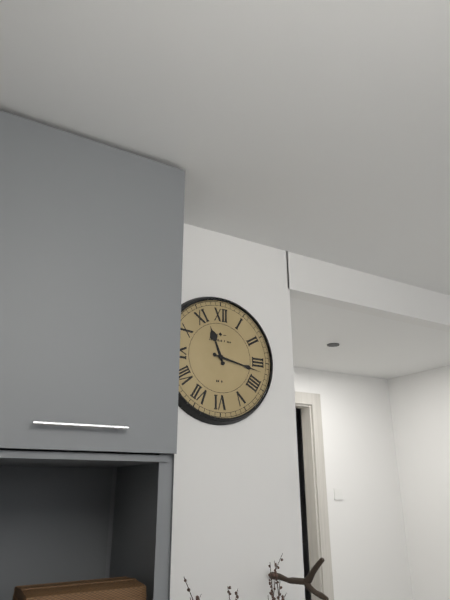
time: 11:17
